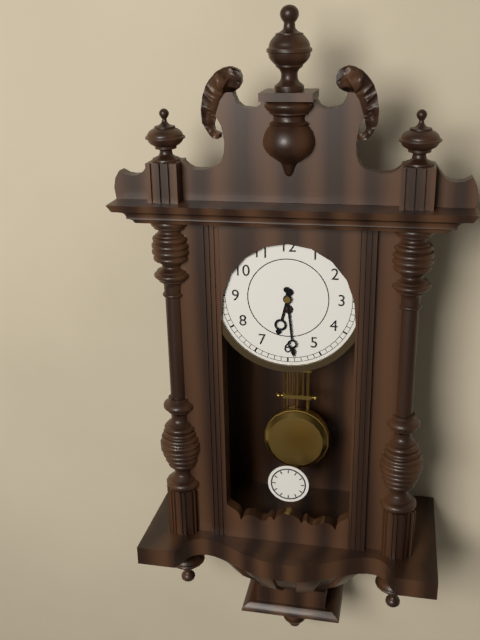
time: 6:29
